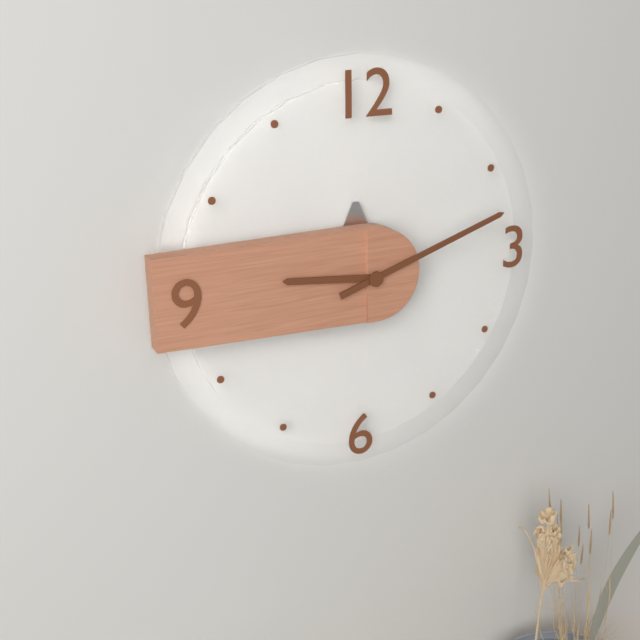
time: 9:12
